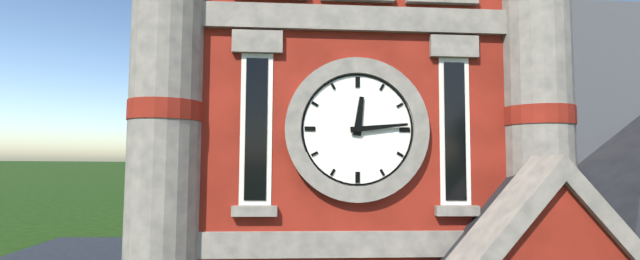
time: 12:14
